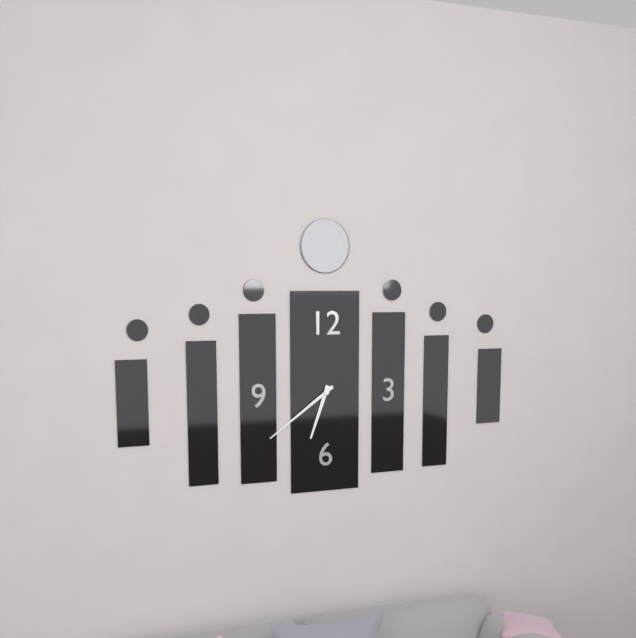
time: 6:39
